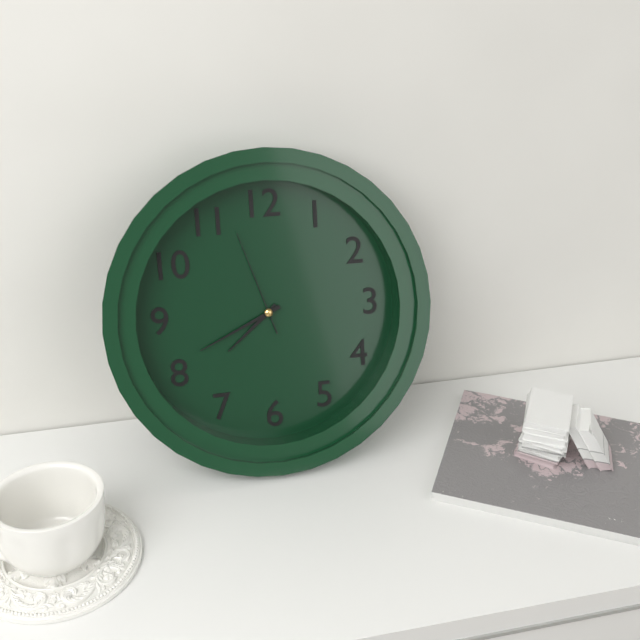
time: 7:41:57
